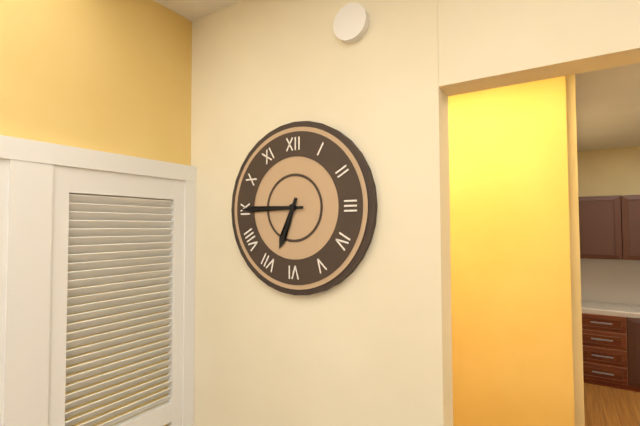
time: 6:45
